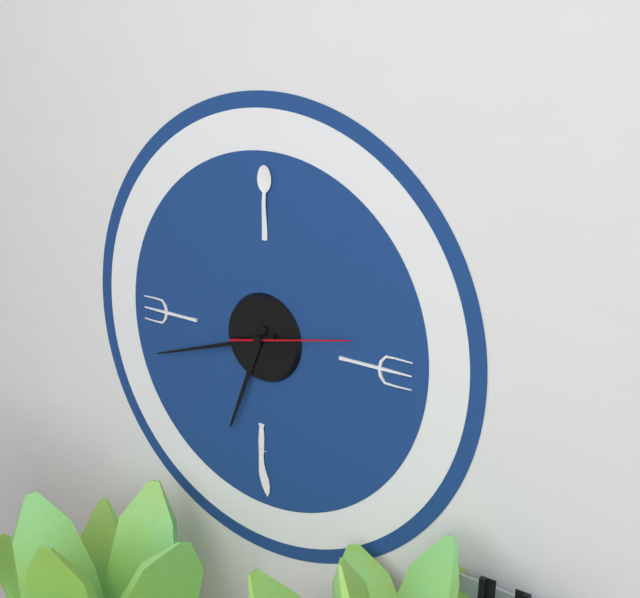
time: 6:42:13
